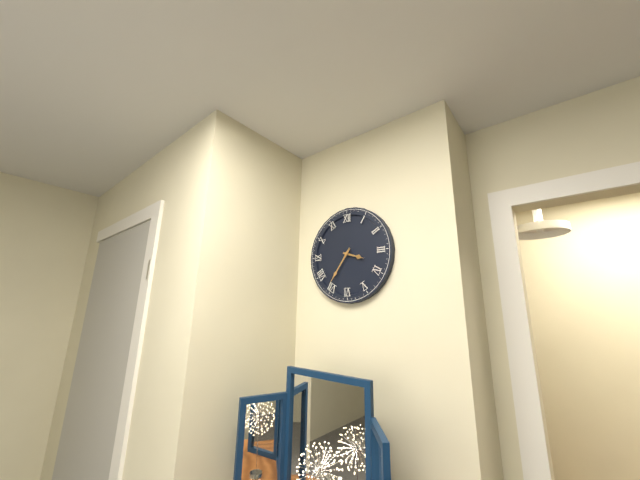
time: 3:36
